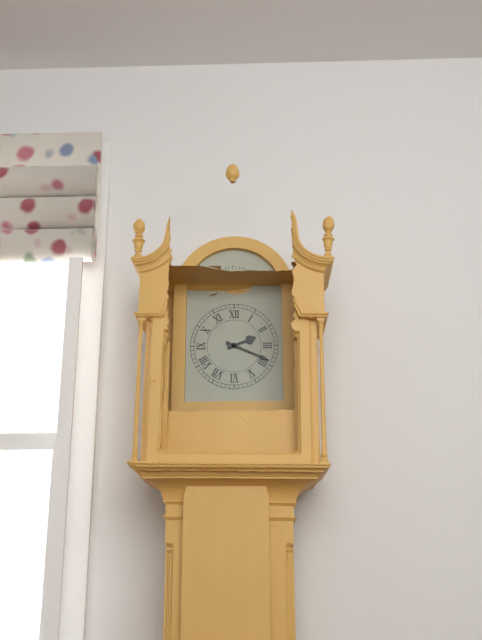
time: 2:19
